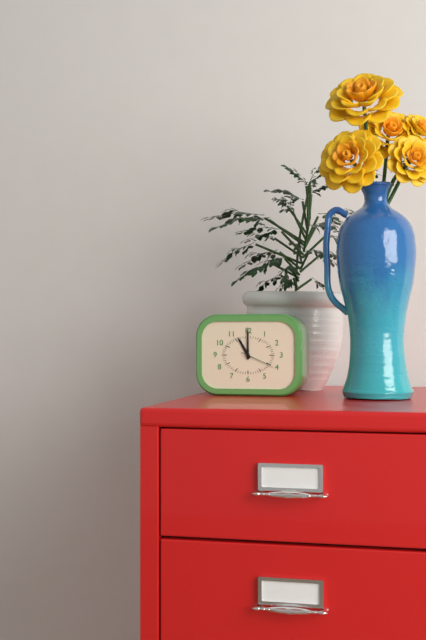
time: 11:00
